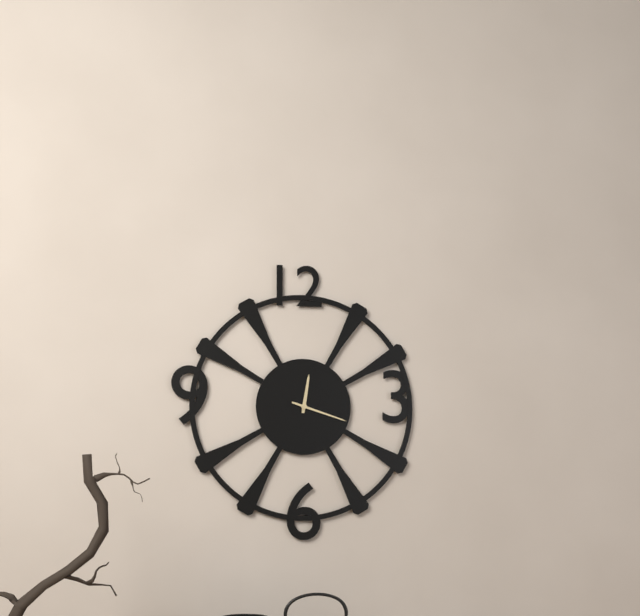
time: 12:18
